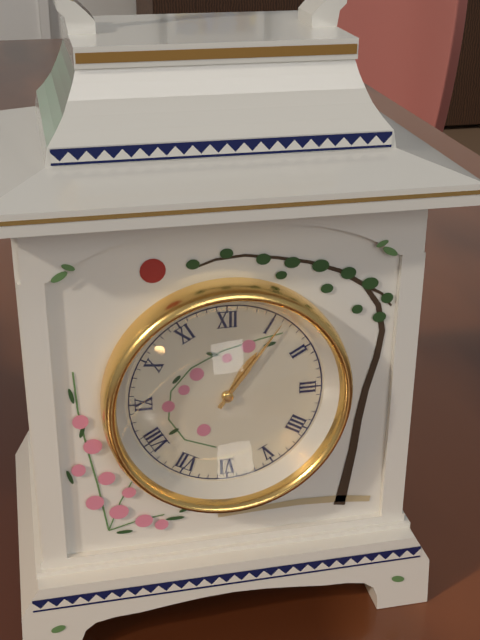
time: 1:06
